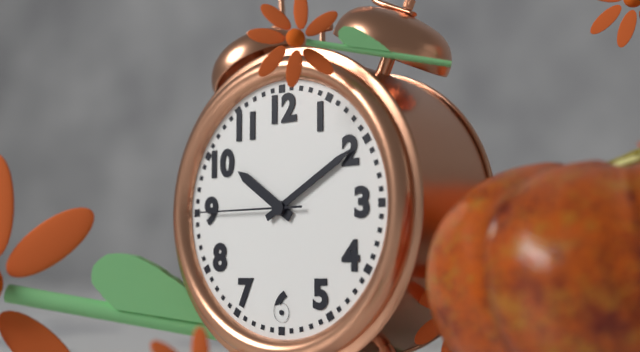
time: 10:10:45
